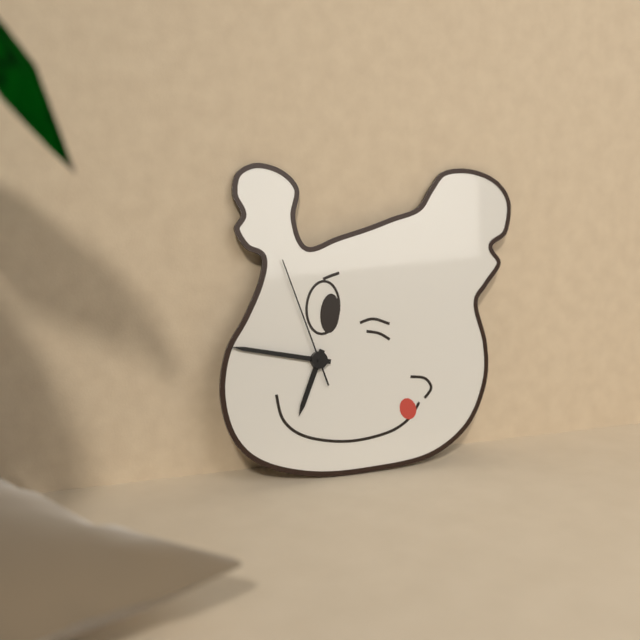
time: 6:47:57
